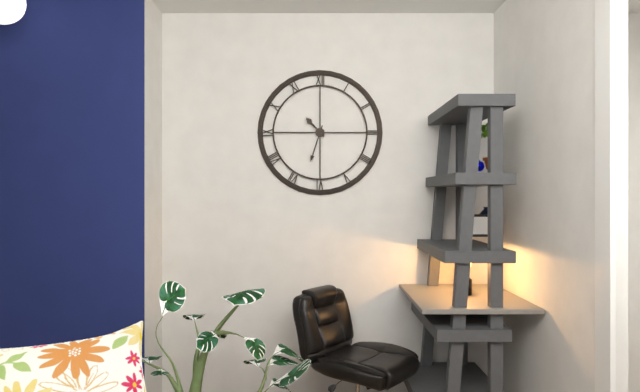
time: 10:33
